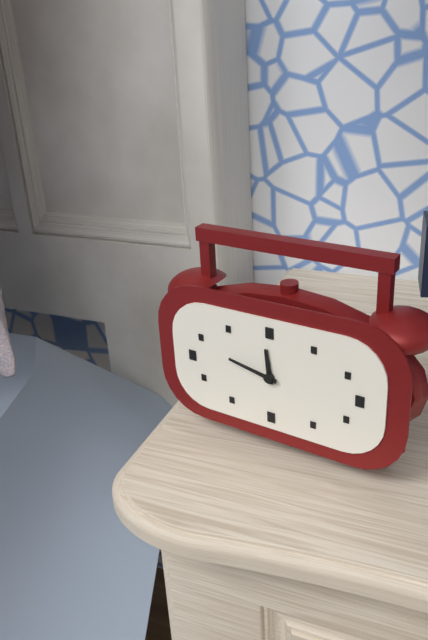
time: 11:47
